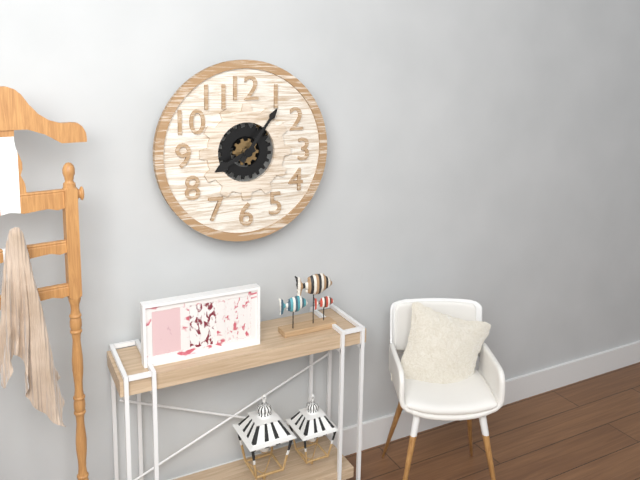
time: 8:06
